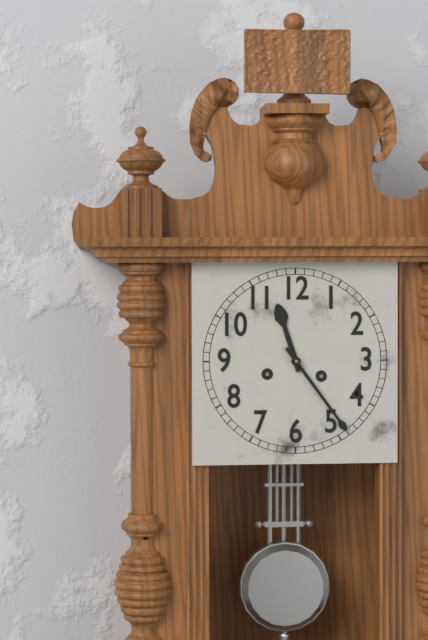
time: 11:24
